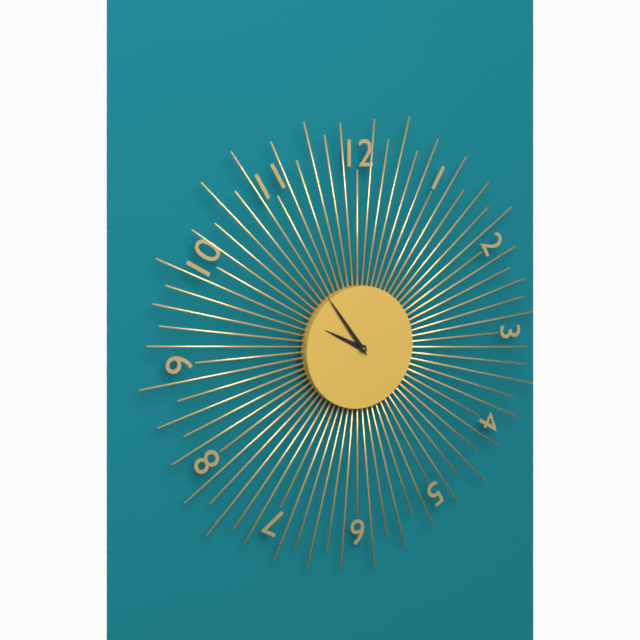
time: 9:54
